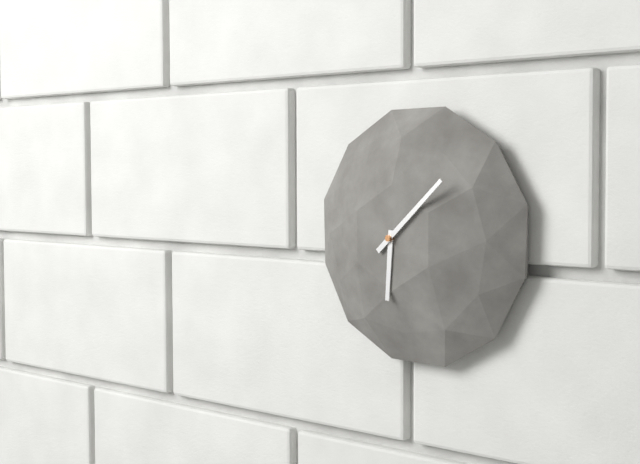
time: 6:08
